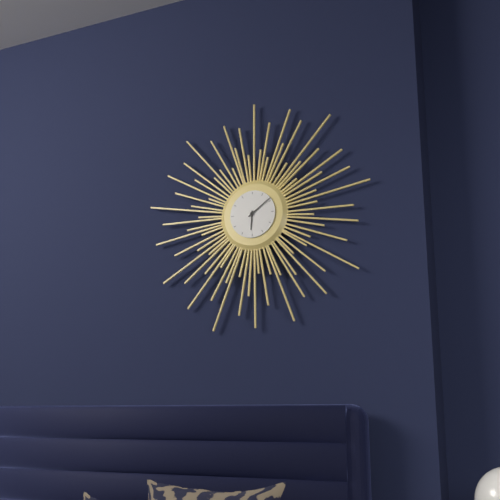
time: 6:09
